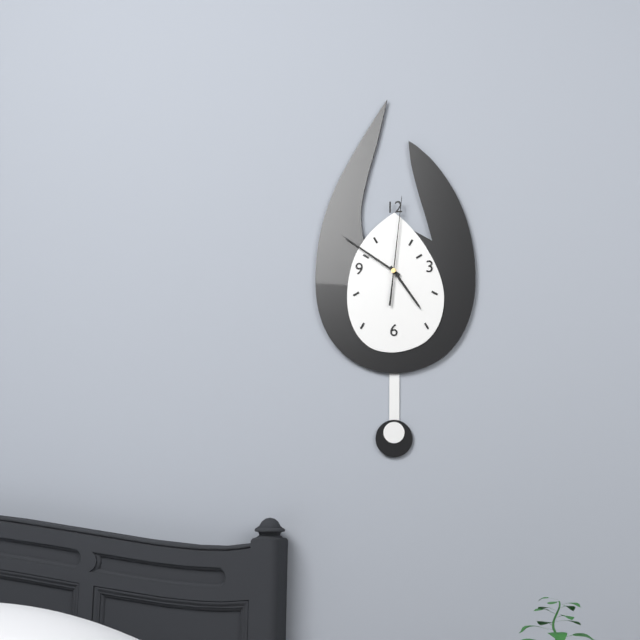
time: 4:51:01
